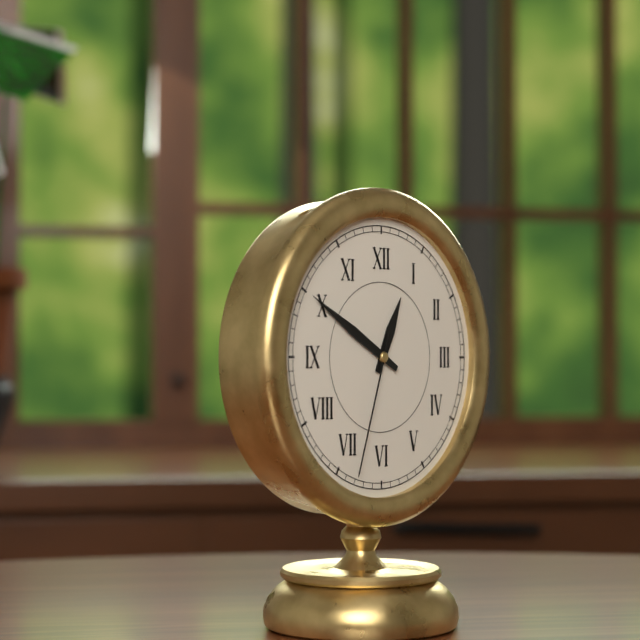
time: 12:50:33
